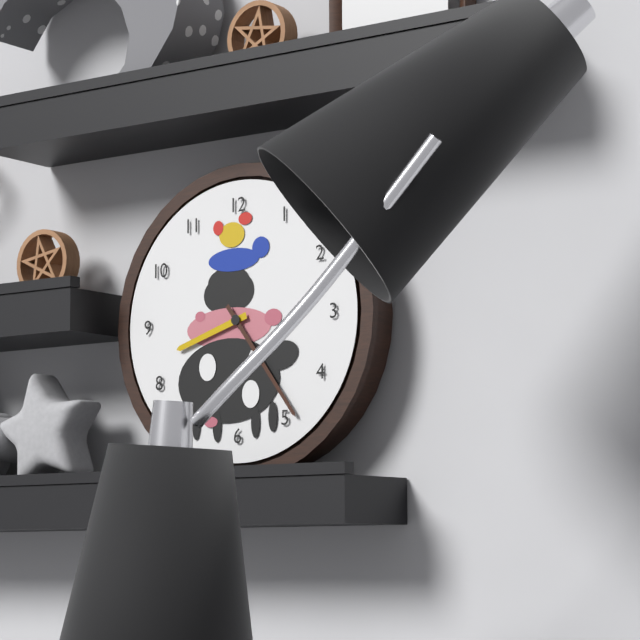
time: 8:24
